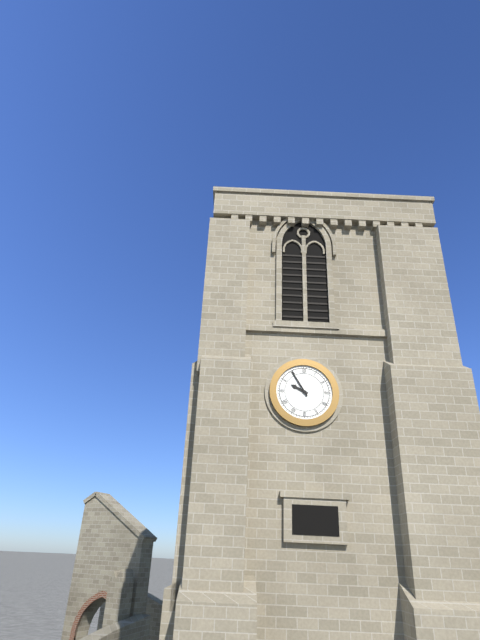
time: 9:55
